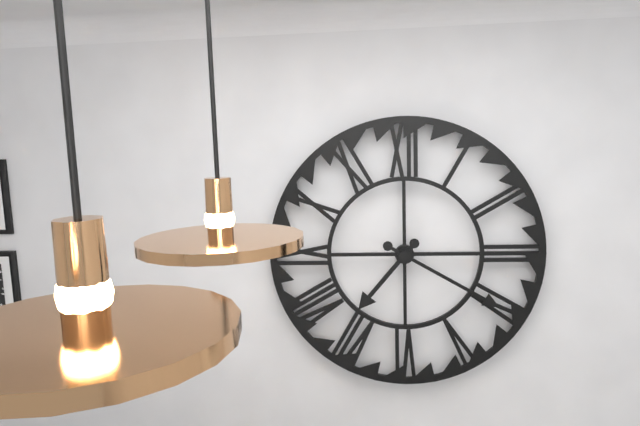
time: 7:20
